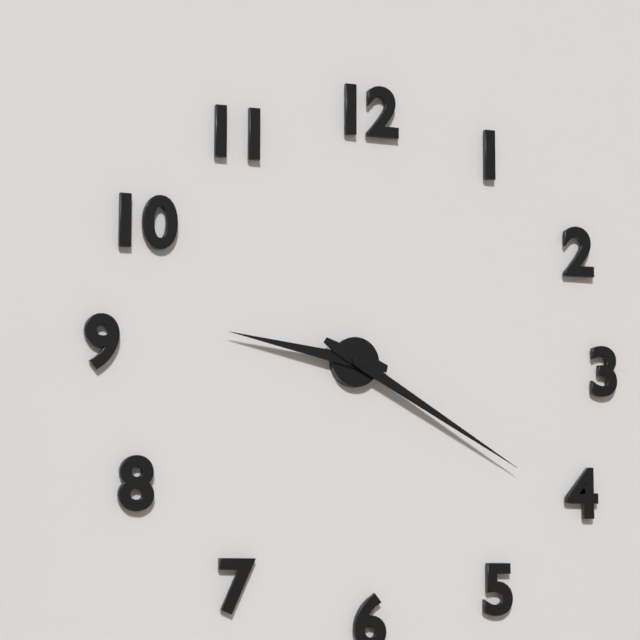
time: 9:20
